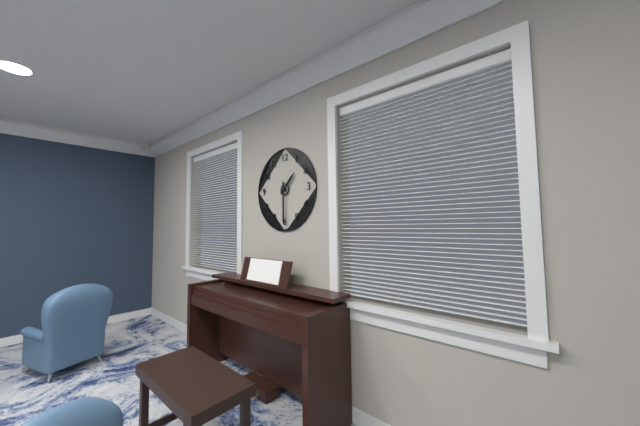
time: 1:30
